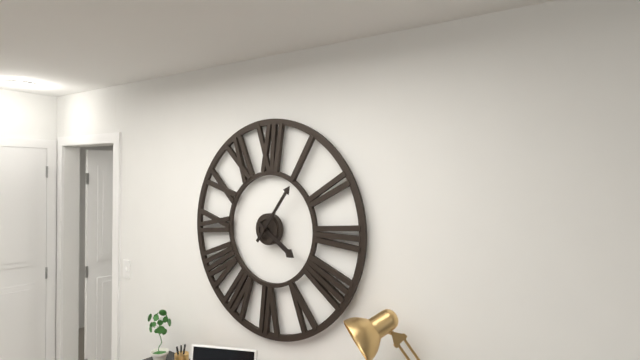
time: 4:06
